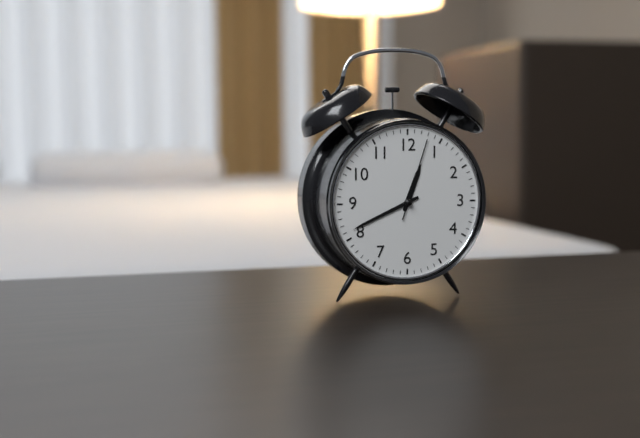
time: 12:41:03
